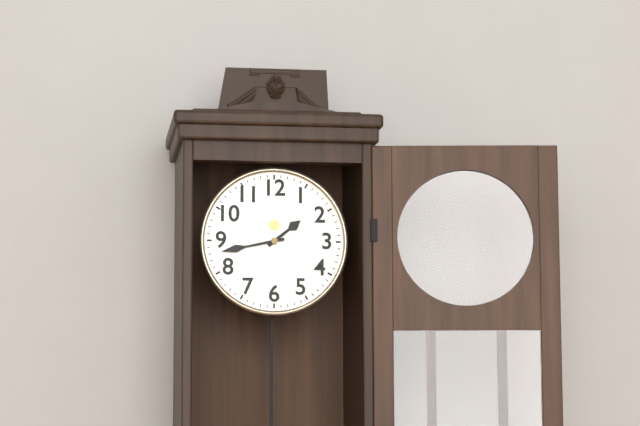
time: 1:43
